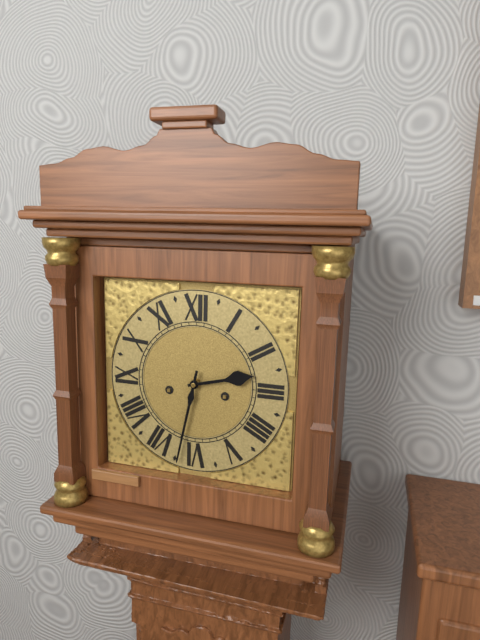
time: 2:32
